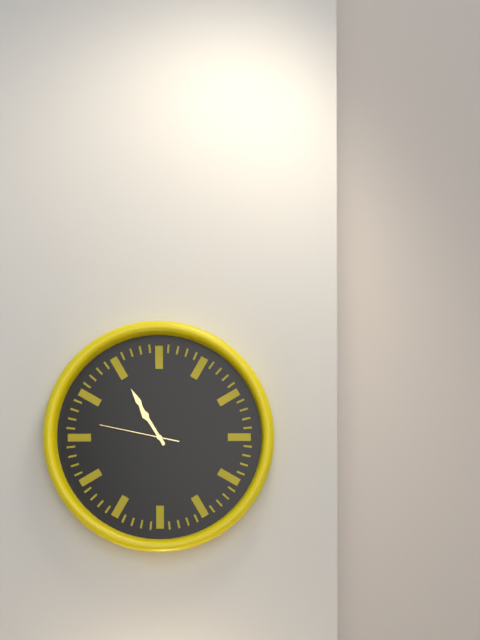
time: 10:55:47
